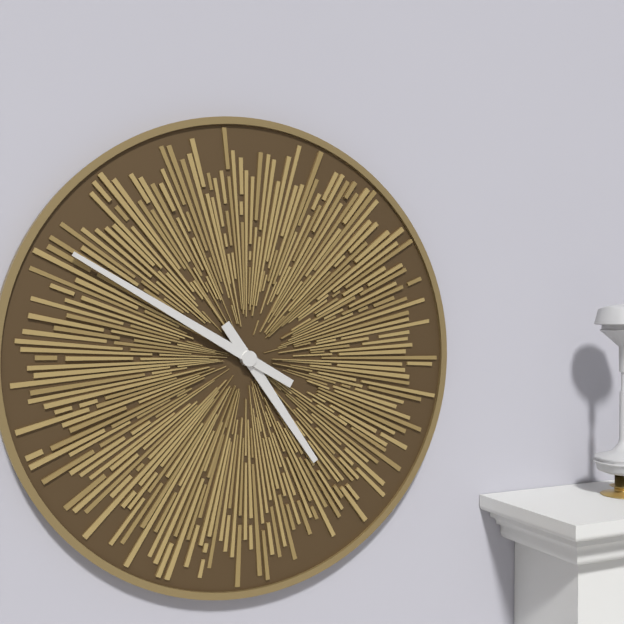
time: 4:50
